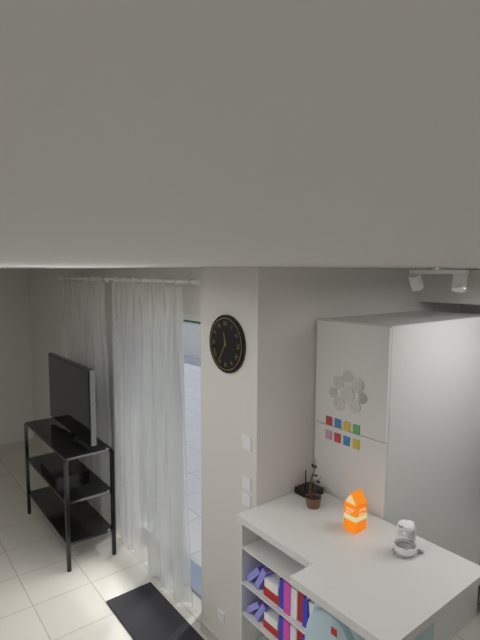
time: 11:35
